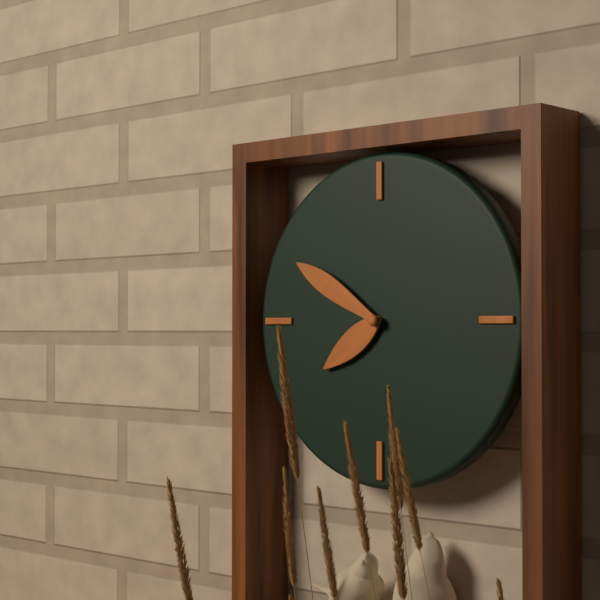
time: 7:50
